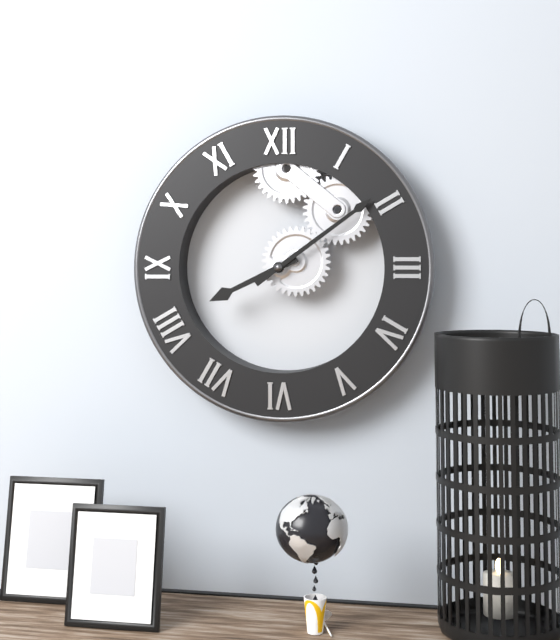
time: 8:09
